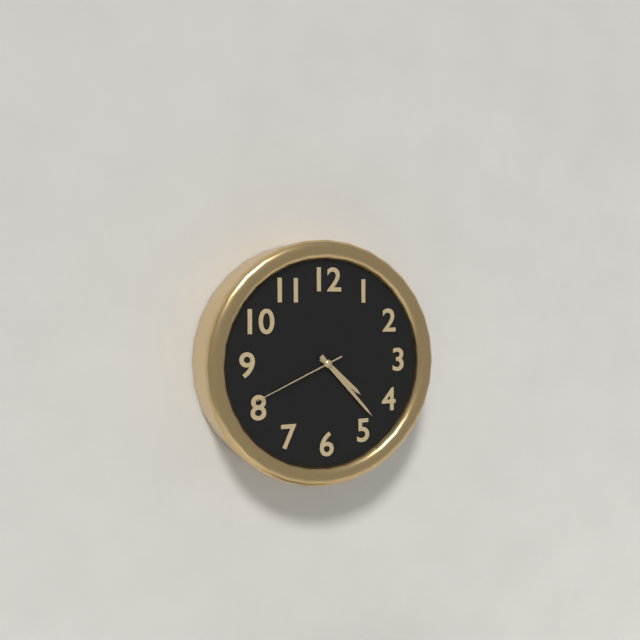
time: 4:23:41
